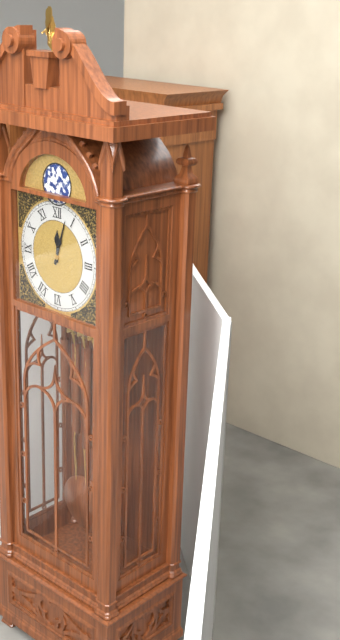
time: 12:03
